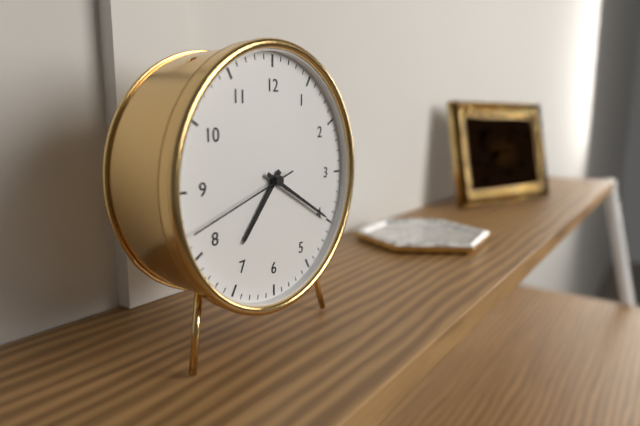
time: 7:20:42
